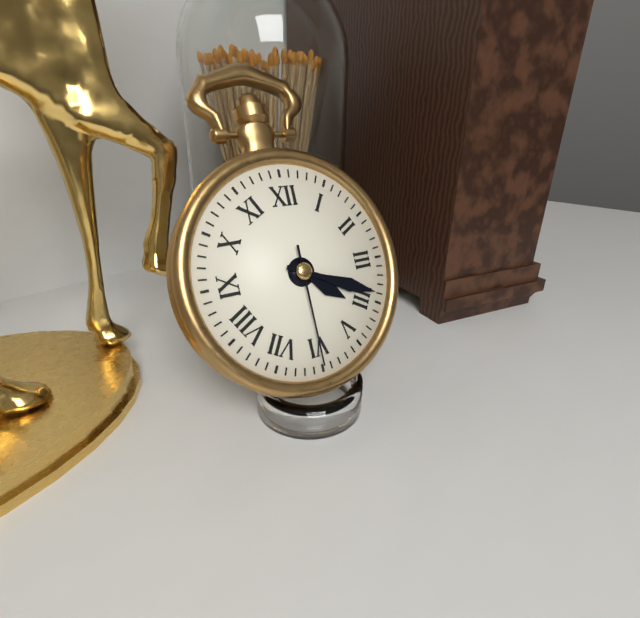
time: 4:19:30
